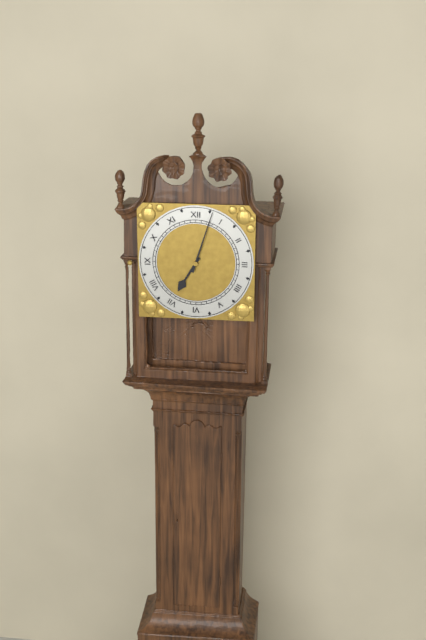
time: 7:03
